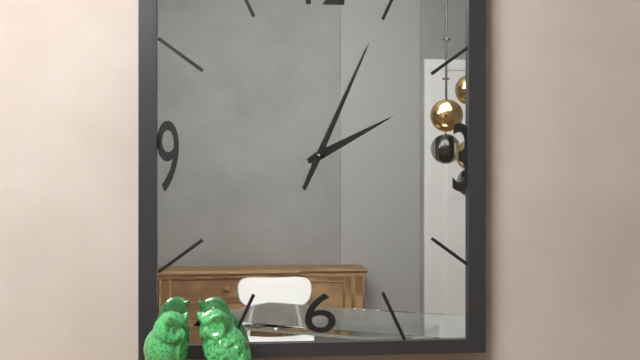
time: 2:04
